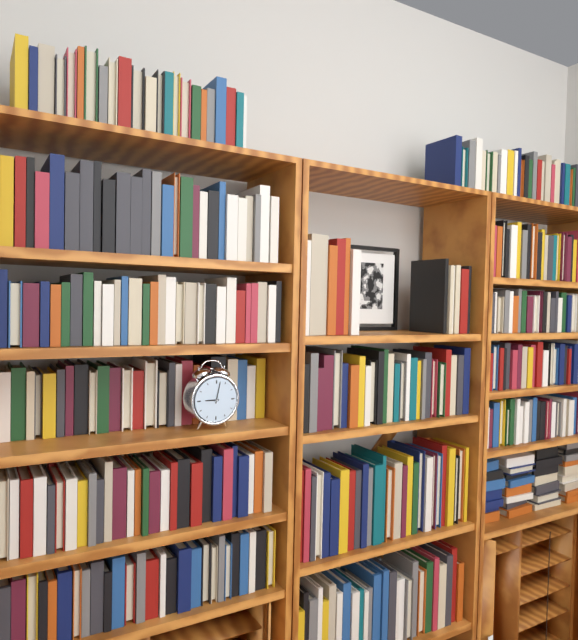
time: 9:02
